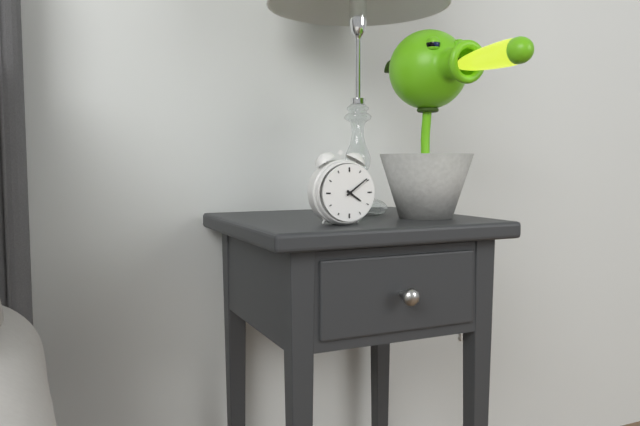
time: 4:09
